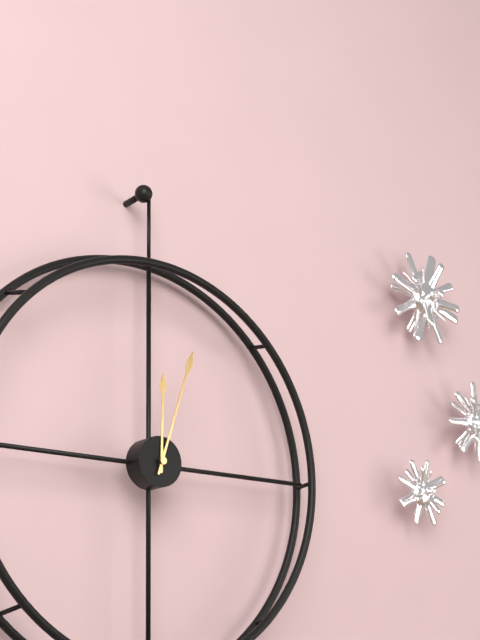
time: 12:03
